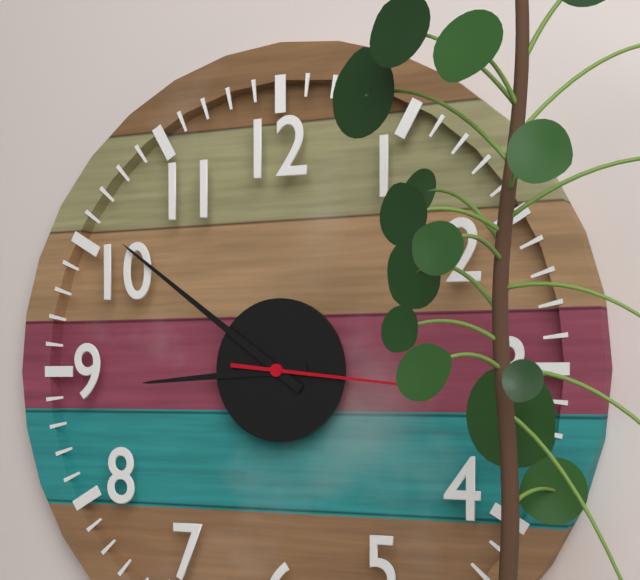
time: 8:51:16
